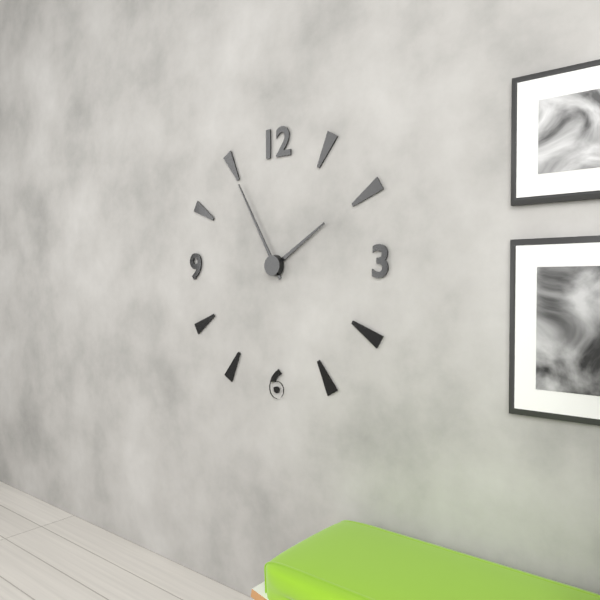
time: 1:55
